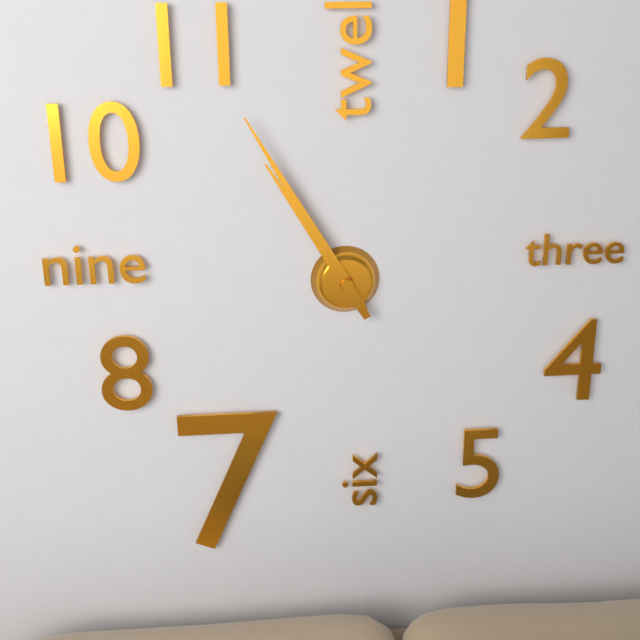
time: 10:55
